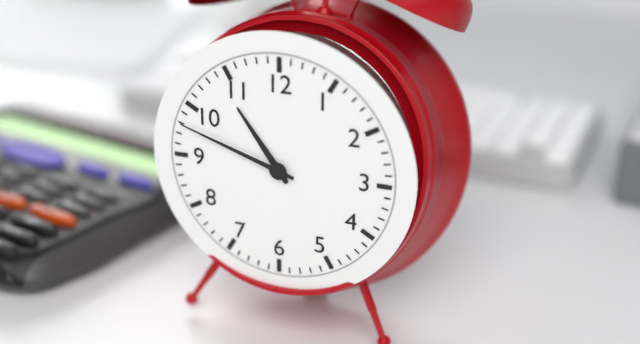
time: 10:48
